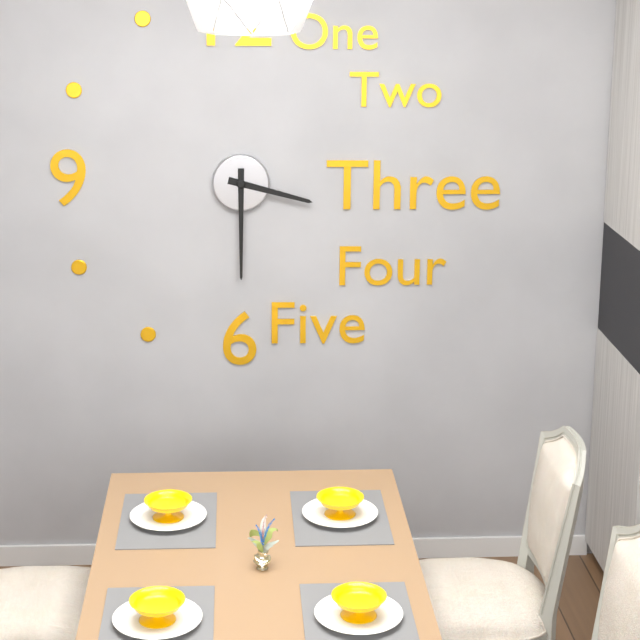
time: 3:30
